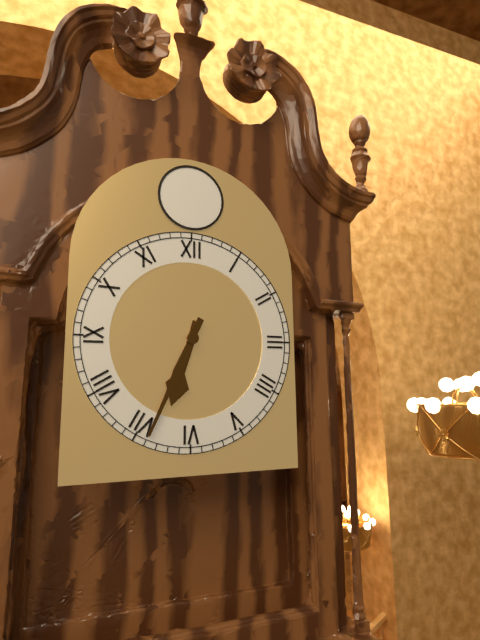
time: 6:34
